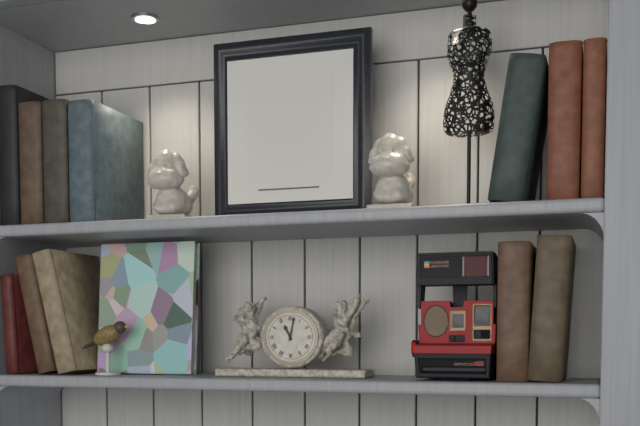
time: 11:02
